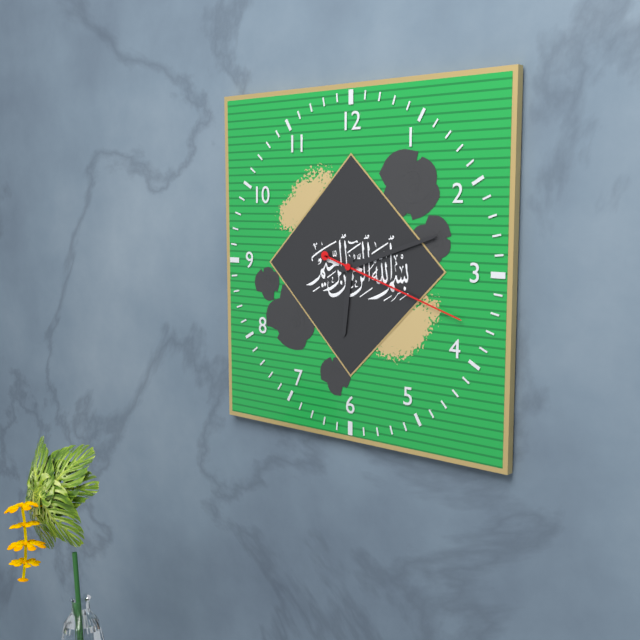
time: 6:12:18
